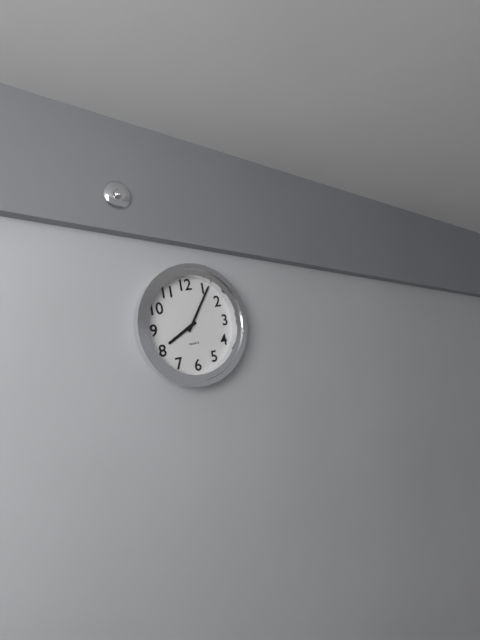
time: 8:06
